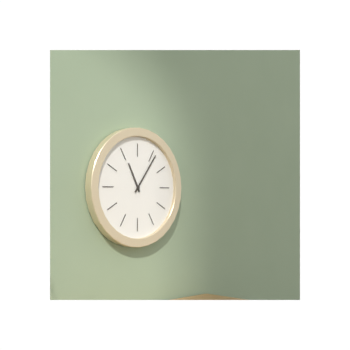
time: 11:06
